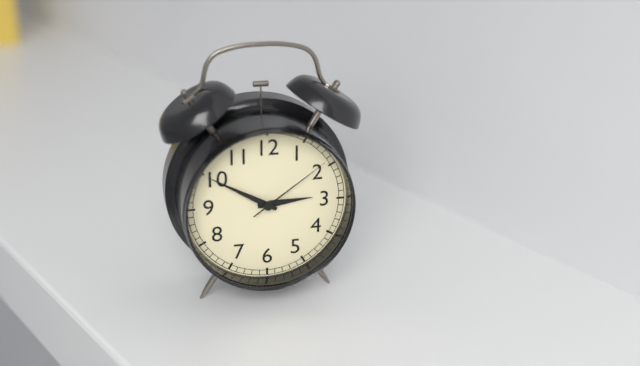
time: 2:50:09
